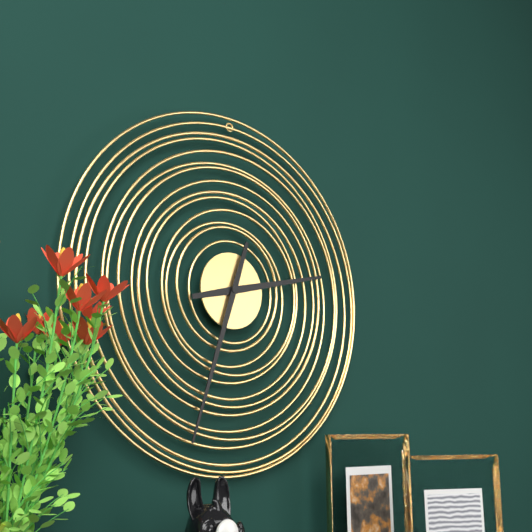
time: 2:33
